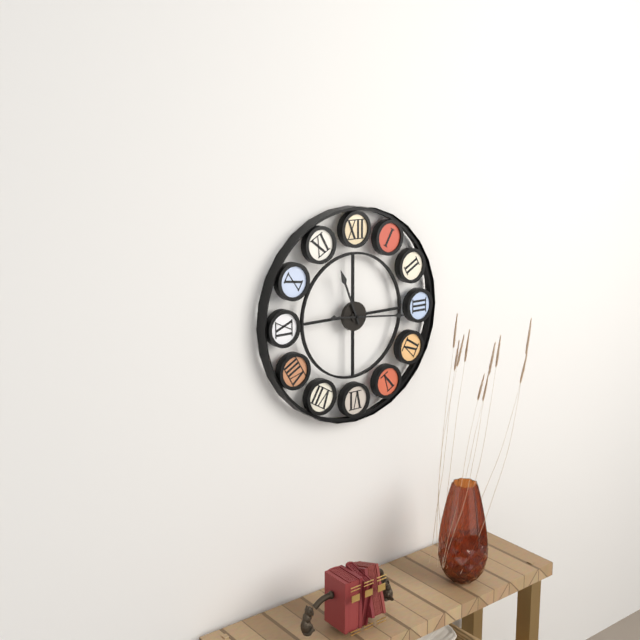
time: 11:16
